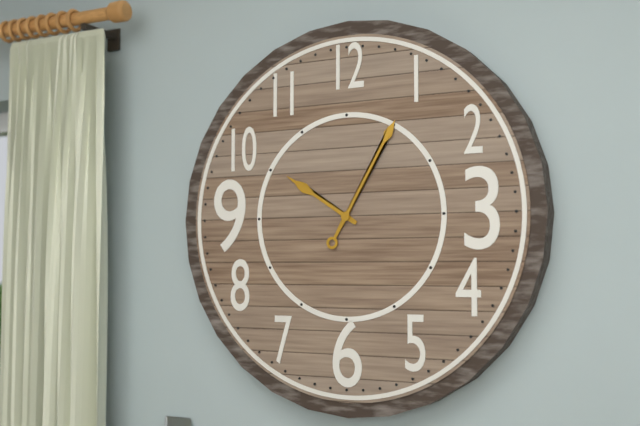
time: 10:05
